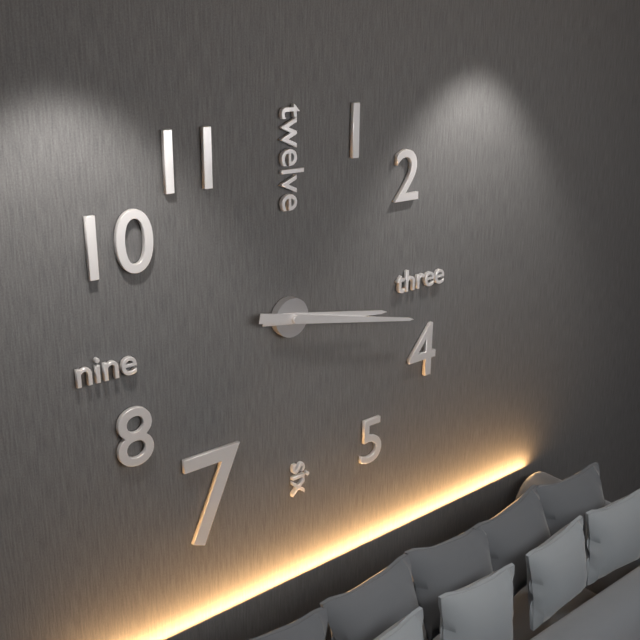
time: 3:17
